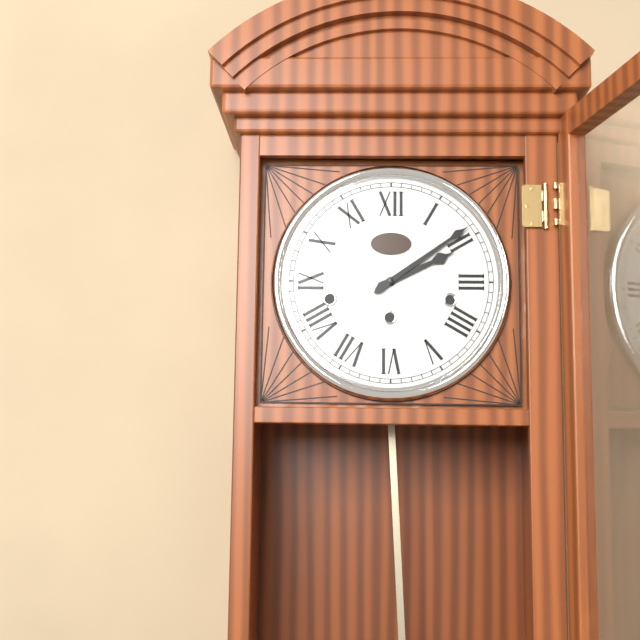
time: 2:09
